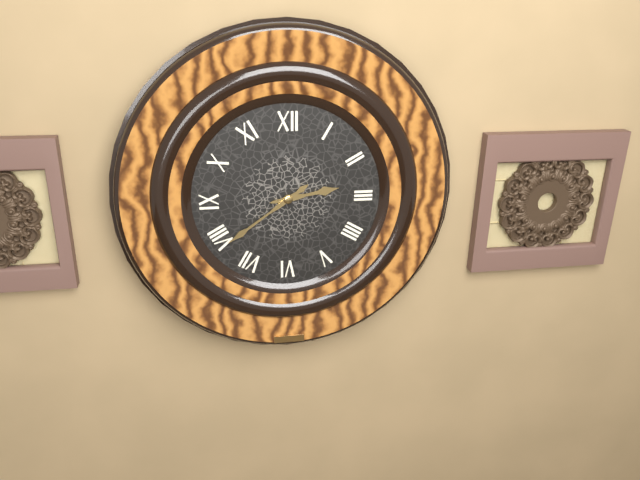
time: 2:39
